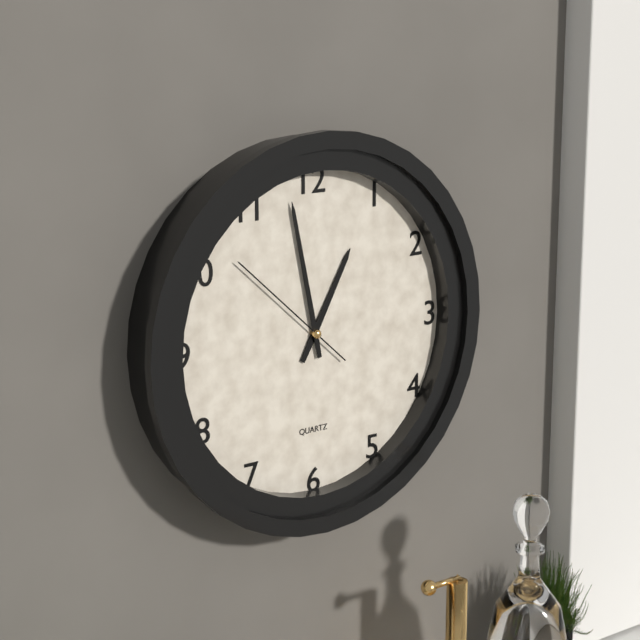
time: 12:58:52
